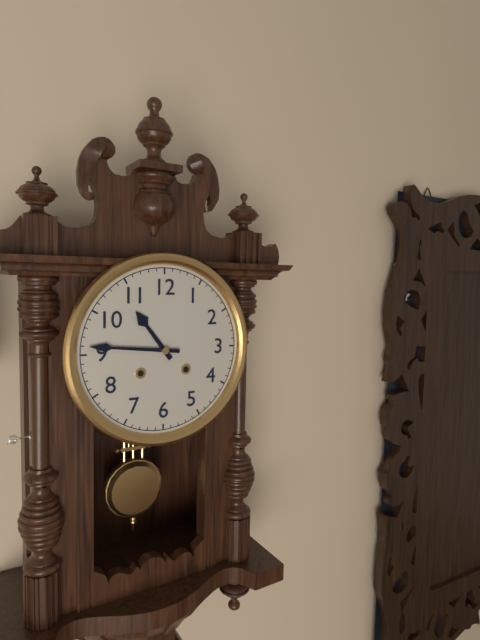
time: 10:46
